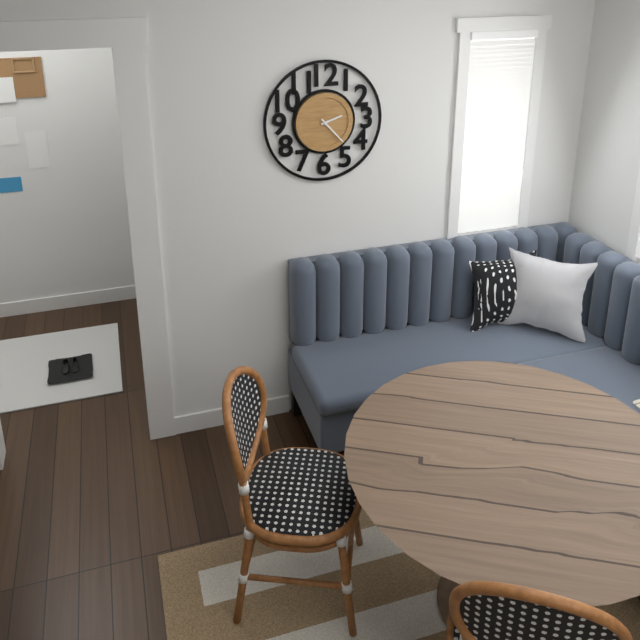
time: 2:23
